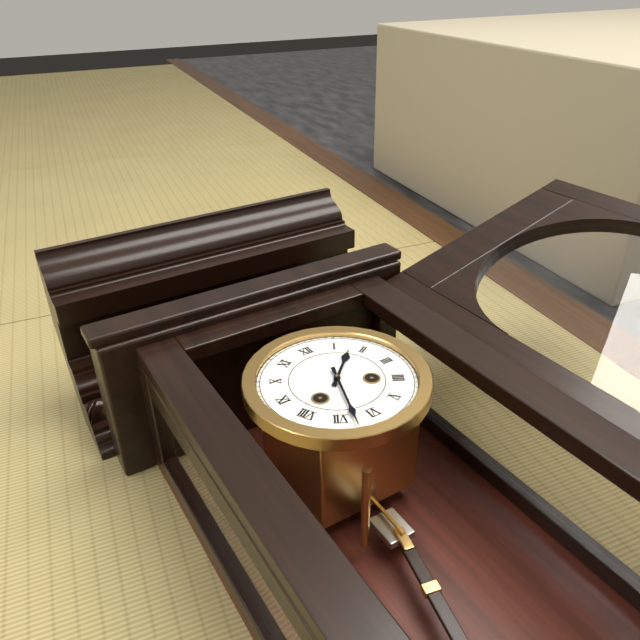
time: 1:33
